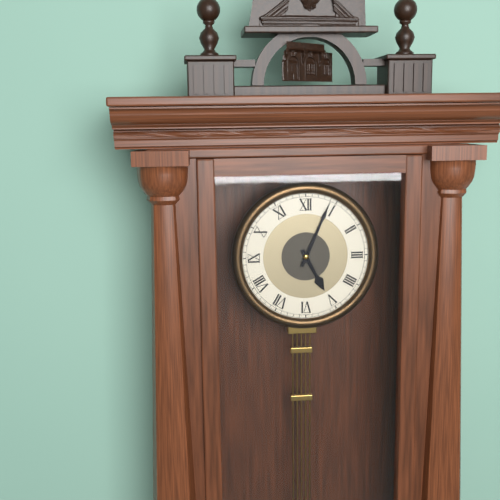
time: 5:04
